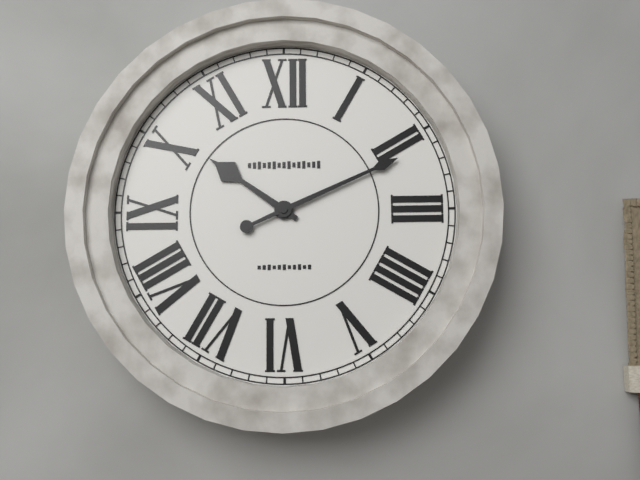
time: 10:11
